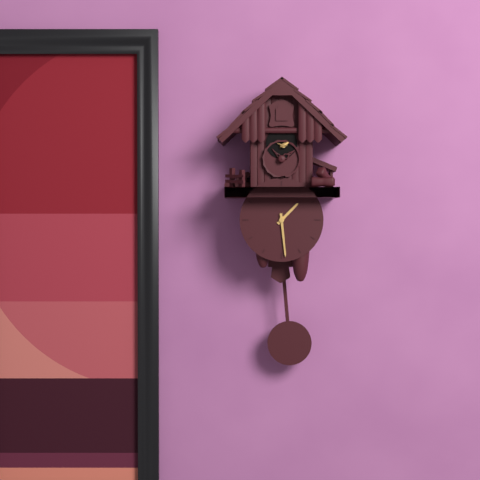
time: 1:29
